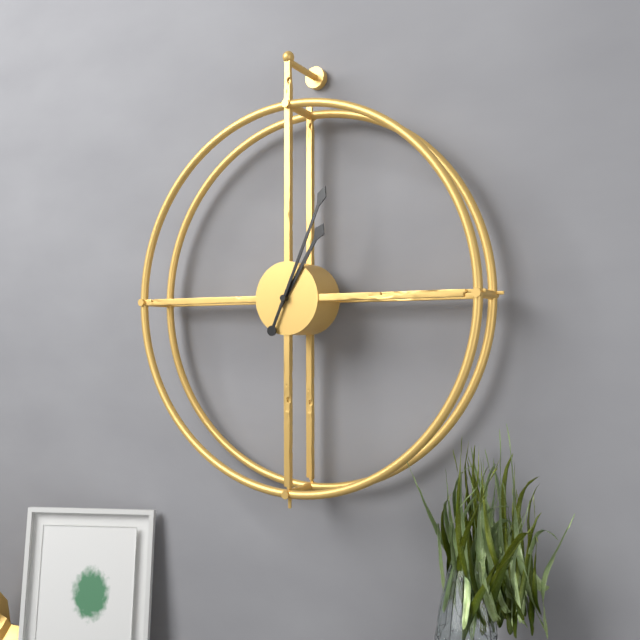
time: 1:04
